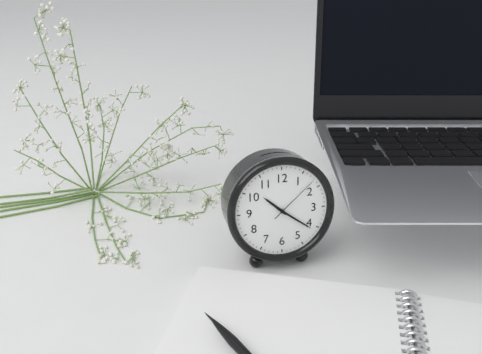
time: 10:21:08
